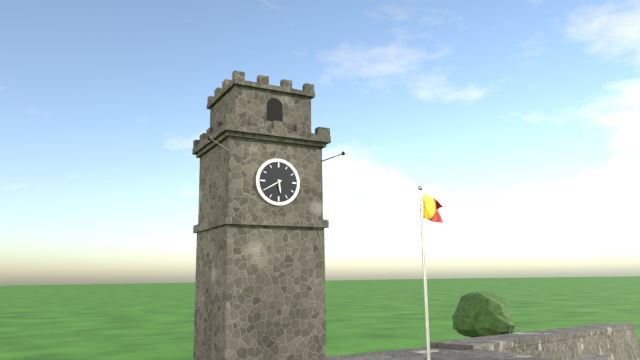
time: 5:40
